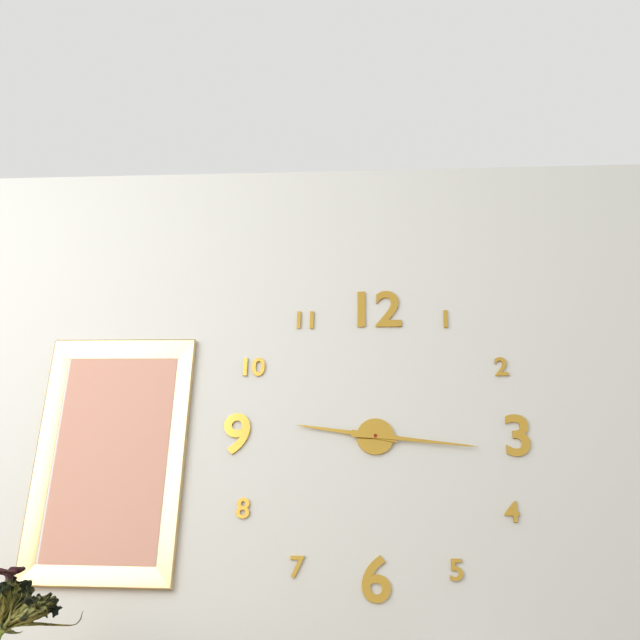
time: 9:16
